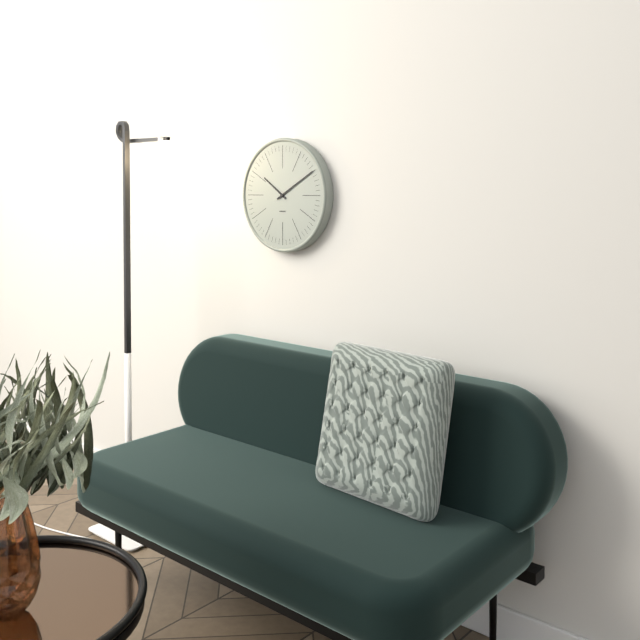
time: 10:10
